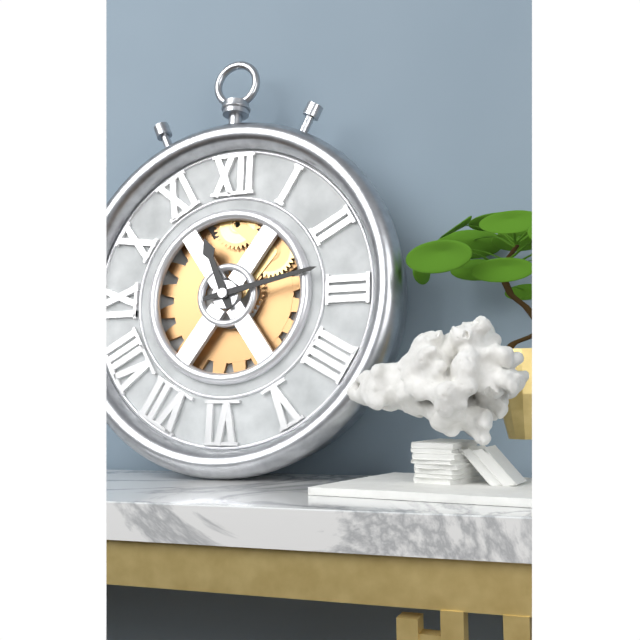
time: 11:13
